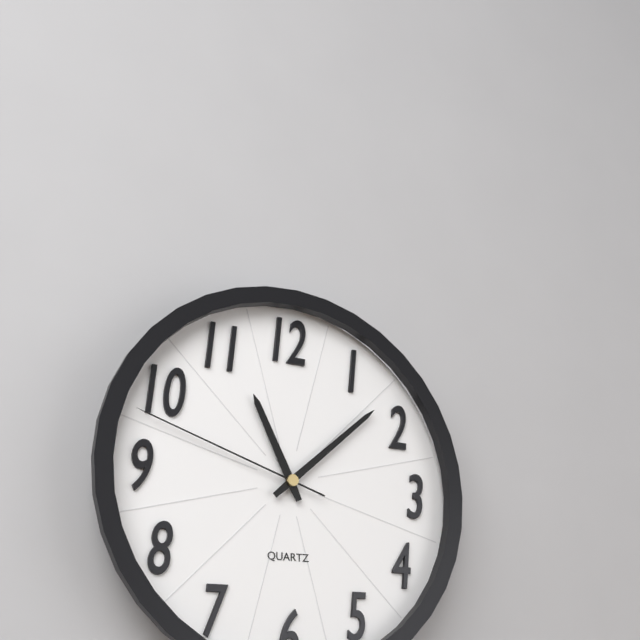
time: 11:08:48
